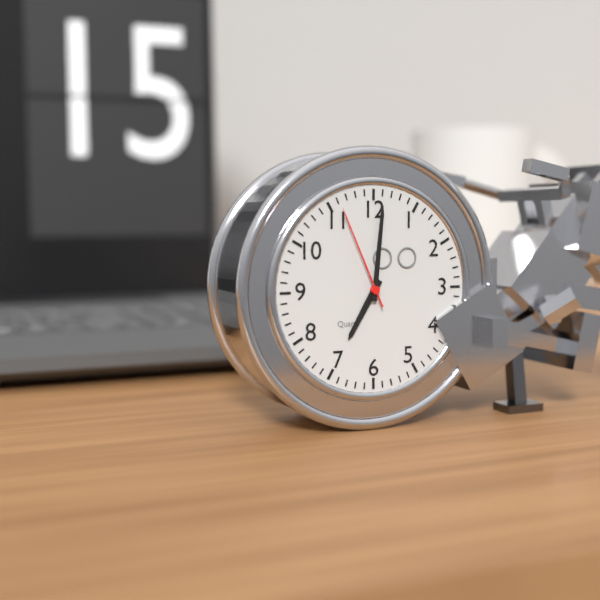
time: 7:01:56
